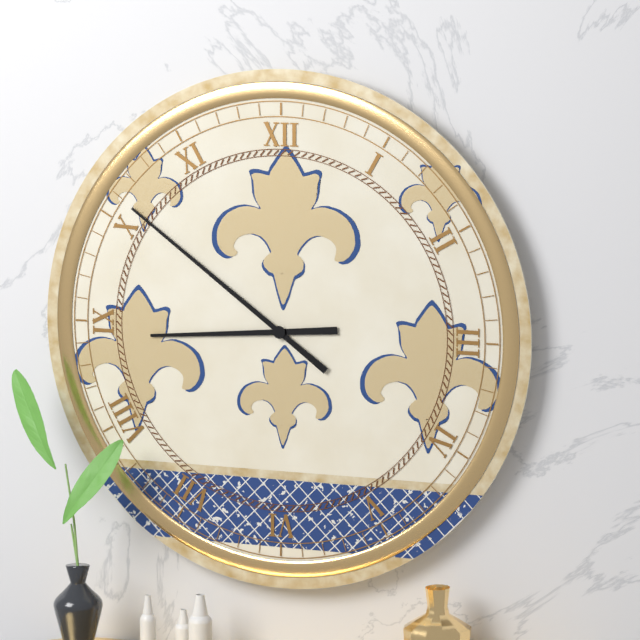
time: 8:51
